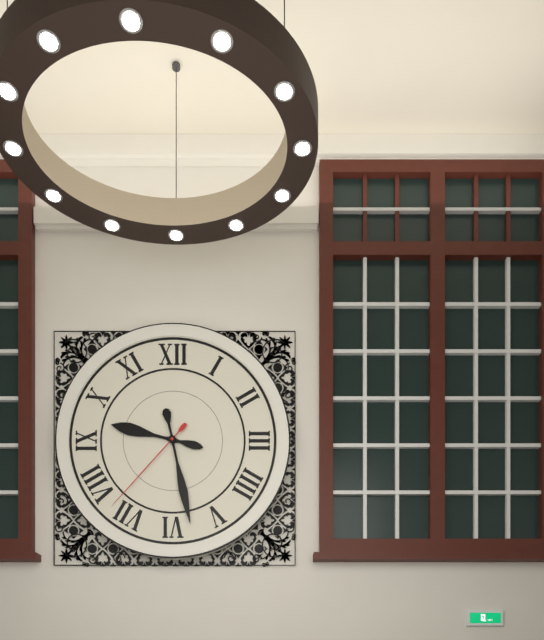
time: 9:28:37
